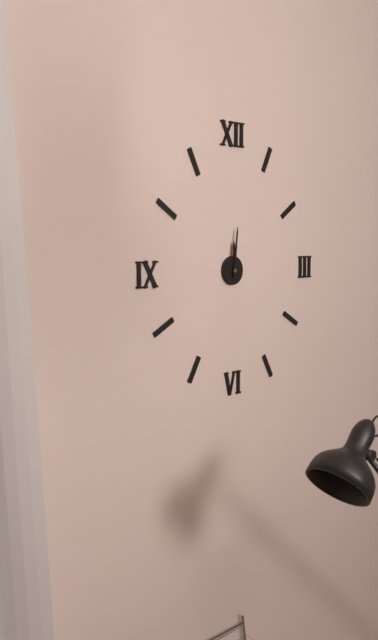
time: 12:01
